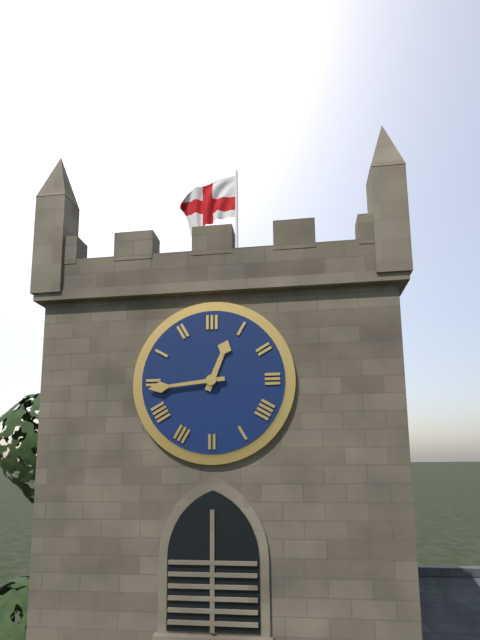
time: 12:44
